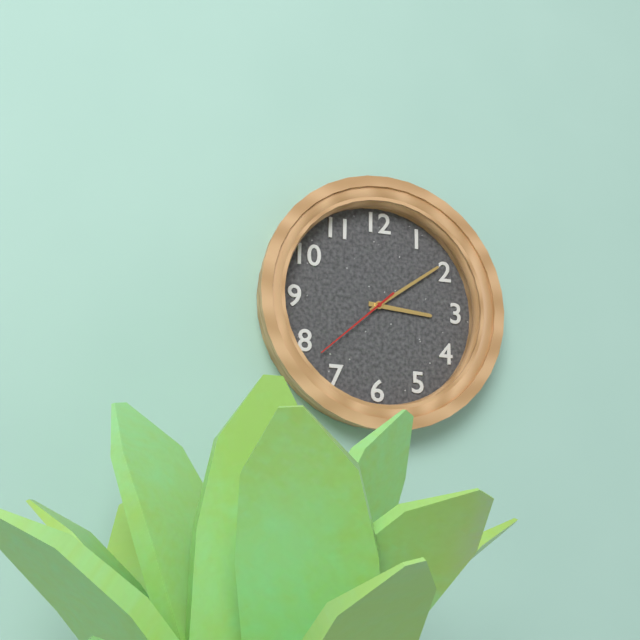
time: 3:09:38
